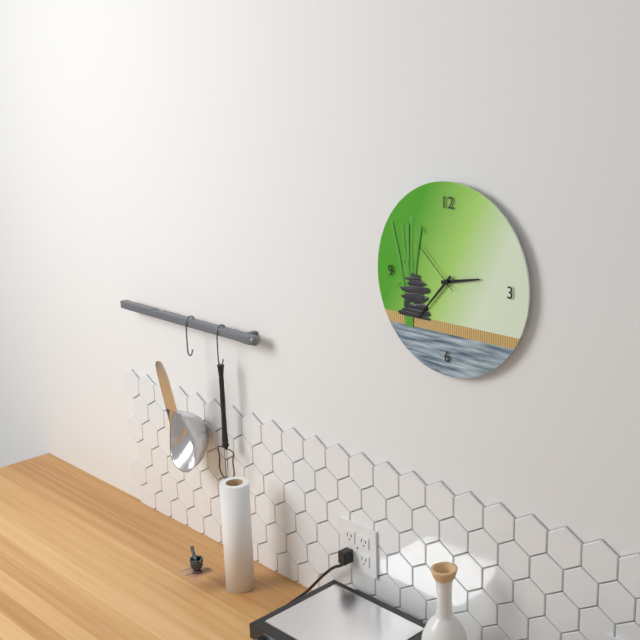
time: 2:37:52
